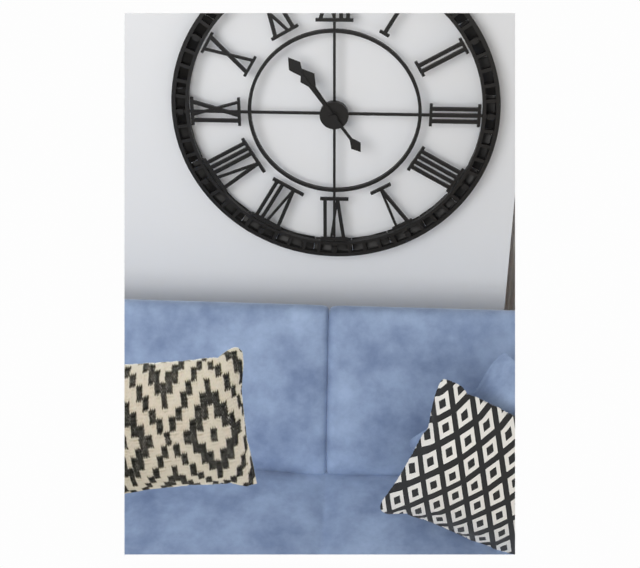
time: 10:54
